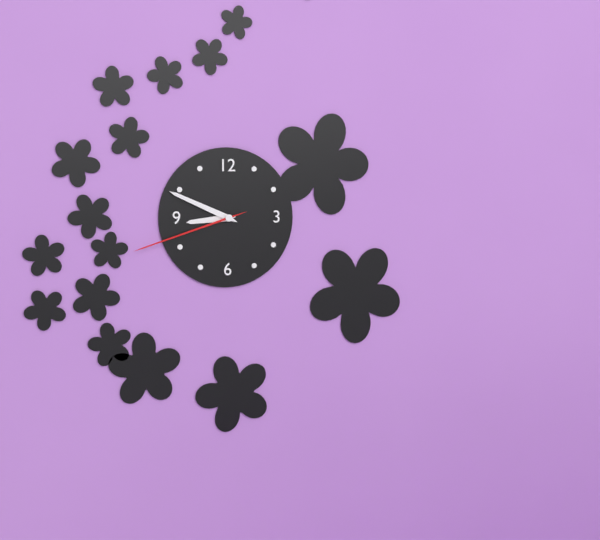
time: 8:49:42
